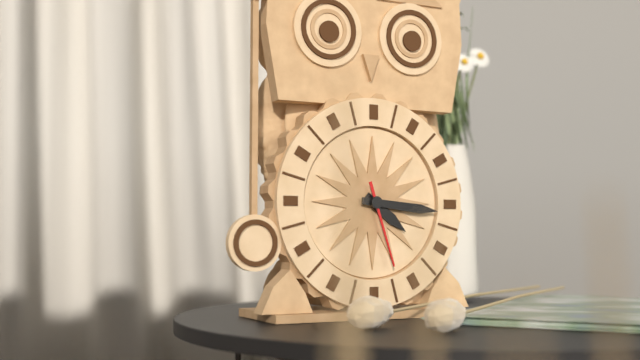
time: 4:16:27
